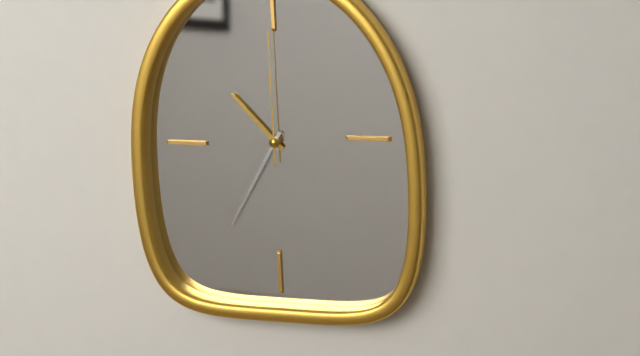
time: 10:35:00
